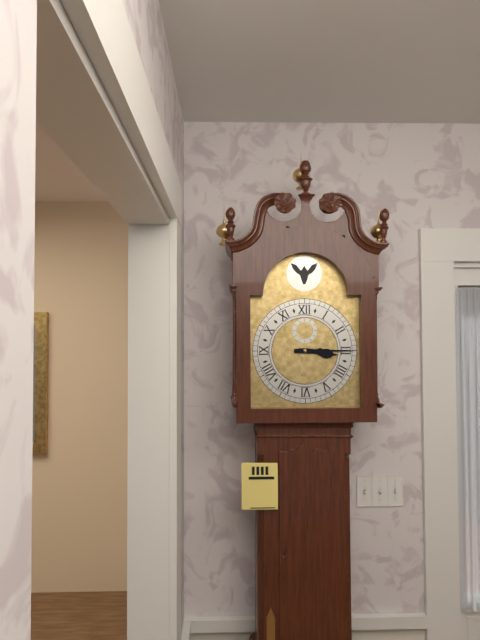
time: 3:15
